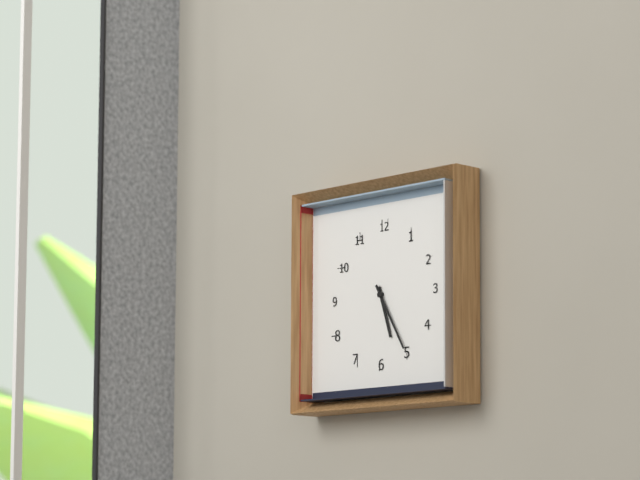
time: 5:25
